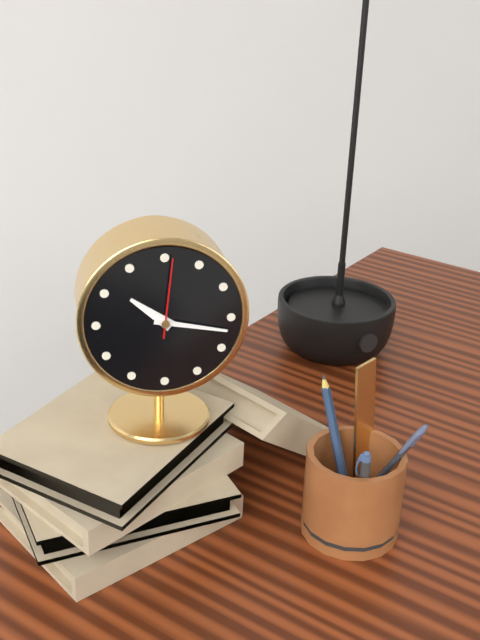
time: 10:17:01
